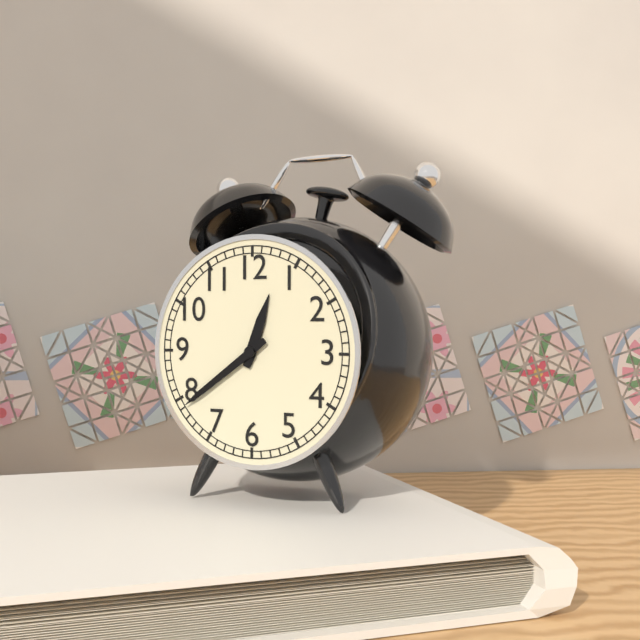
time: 12:39
